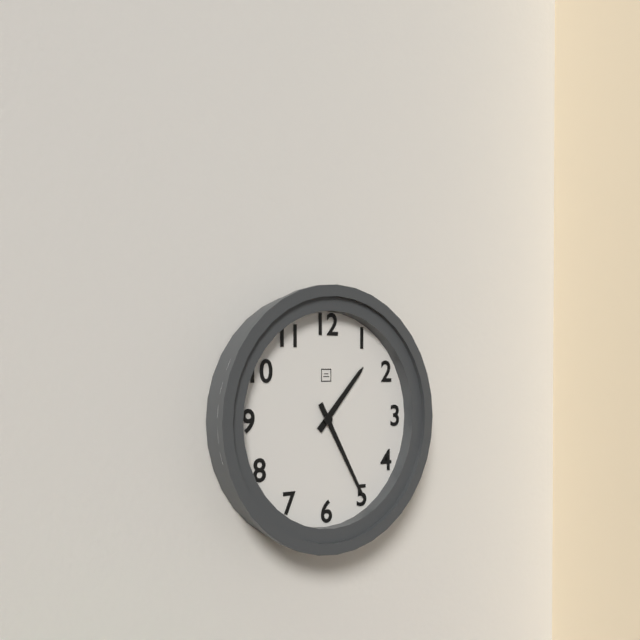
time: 1:25
